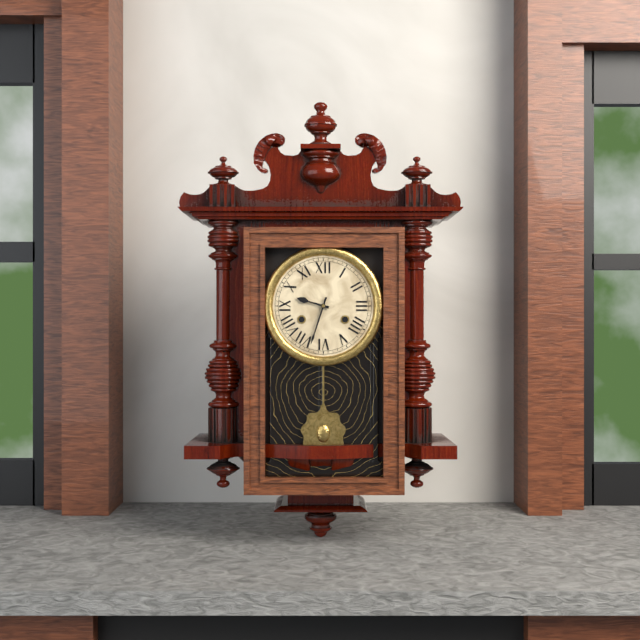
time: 9:33
